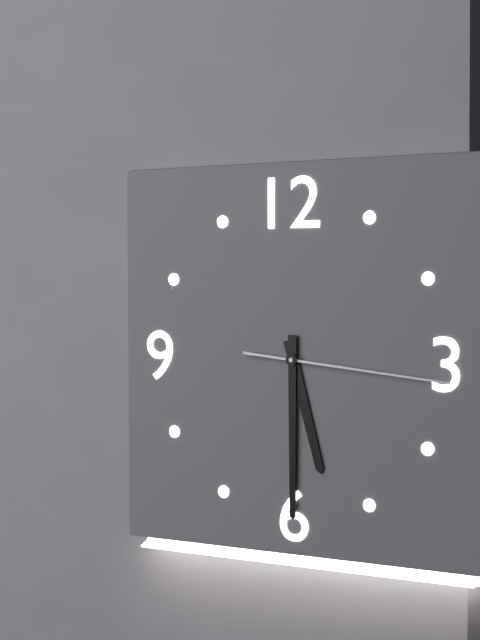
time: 5:30:16
